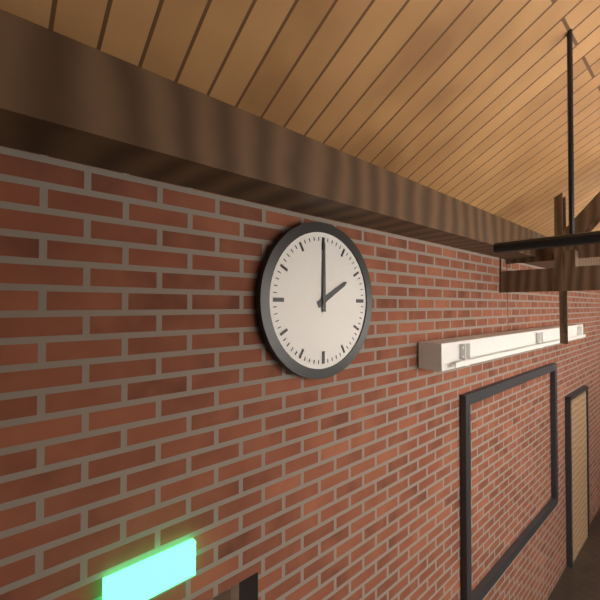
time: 2:00
